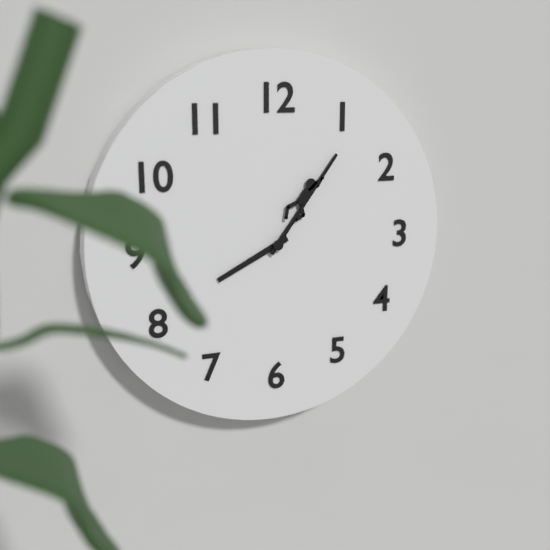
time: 8:06
